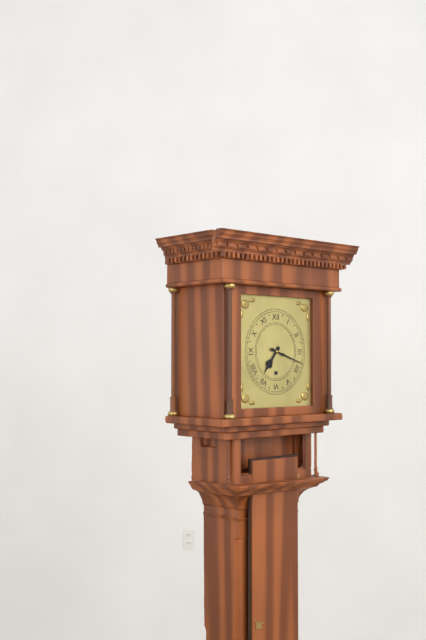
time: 7:18
